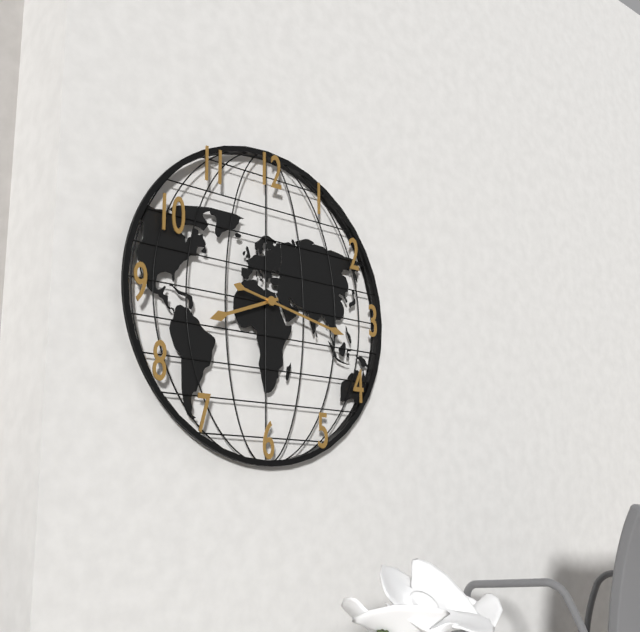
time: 8:17
